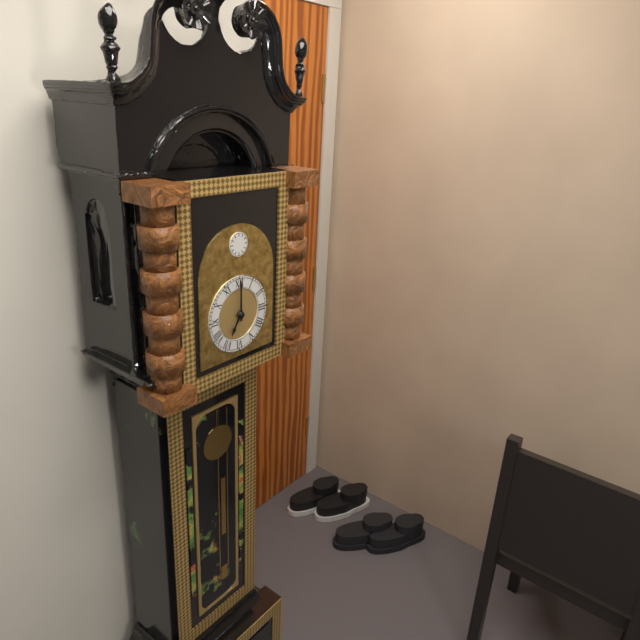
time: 7:00
